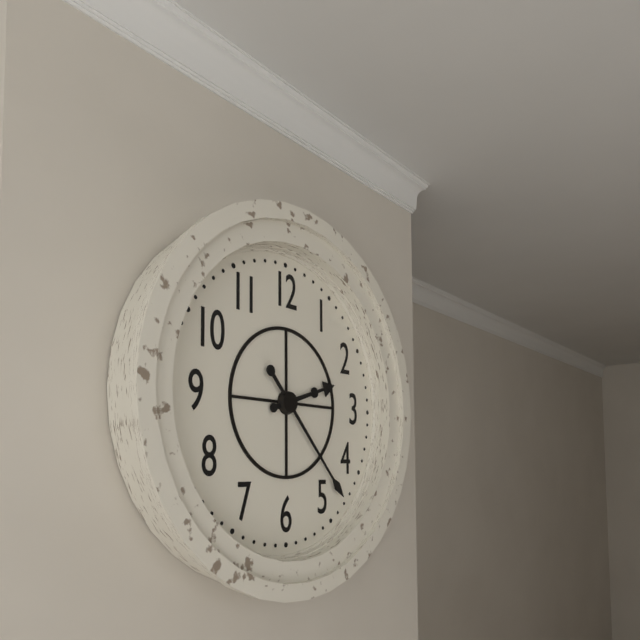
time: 2:23
